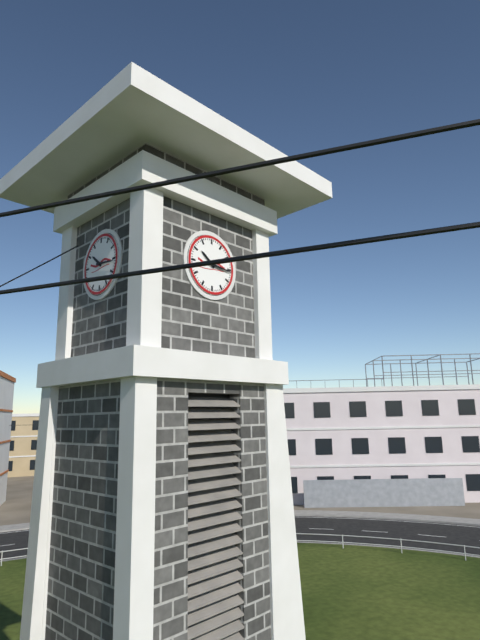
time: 10:16
